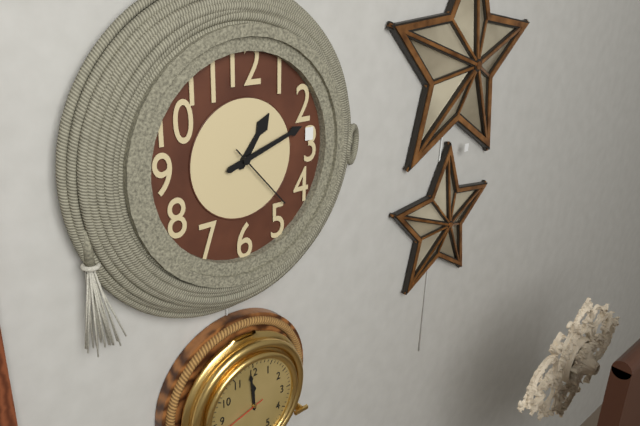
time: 1:12:23
